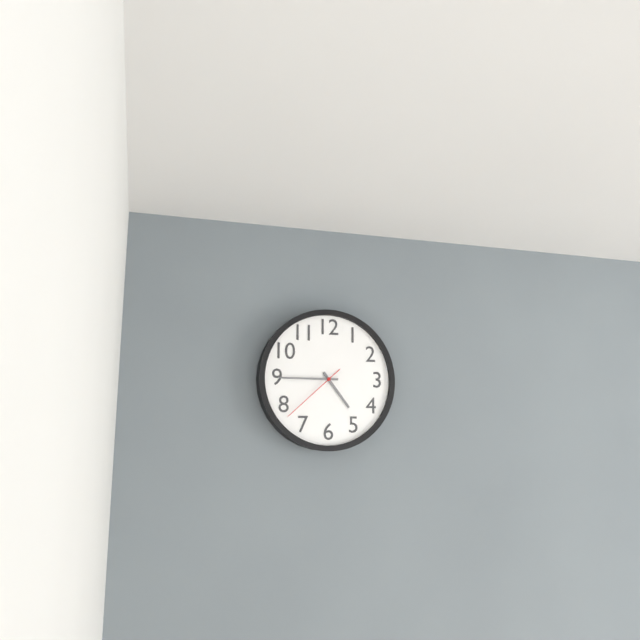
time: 4:45:38
